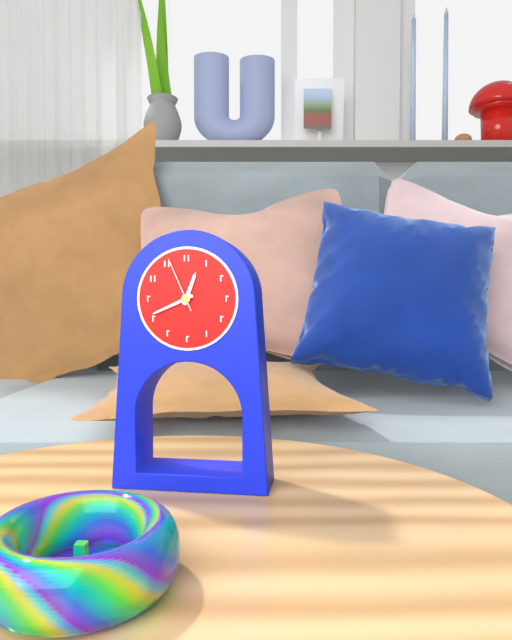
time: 12:41:56
